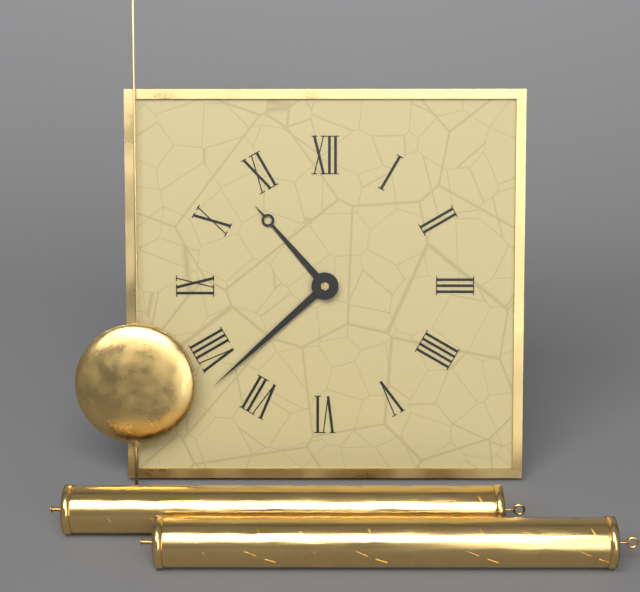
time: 10:38
